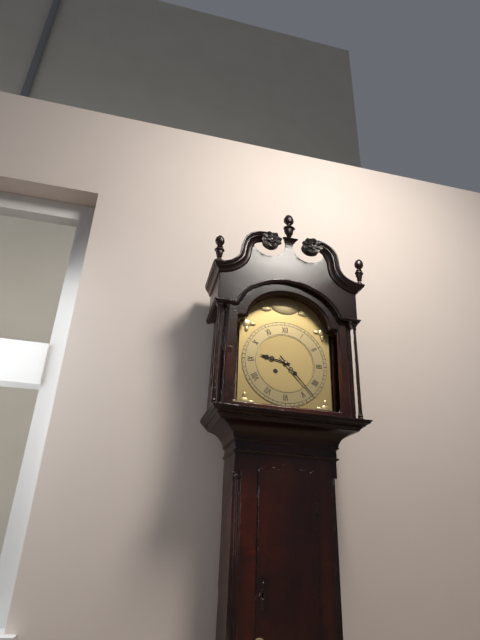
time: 9:23
